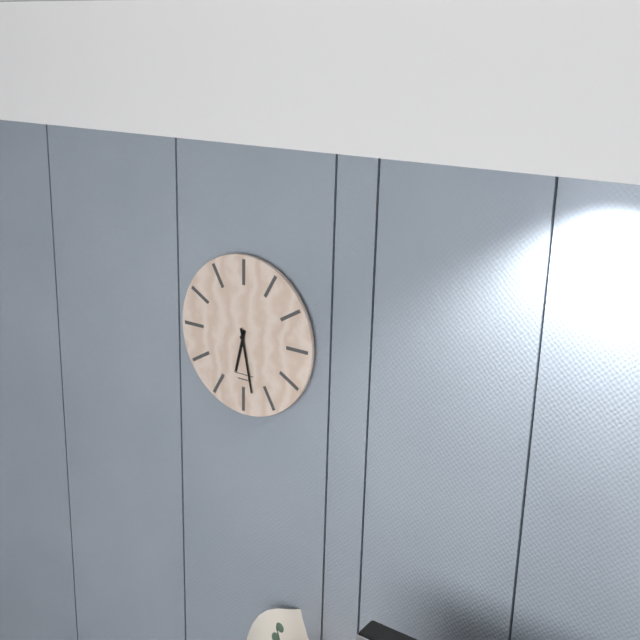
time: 6:28
